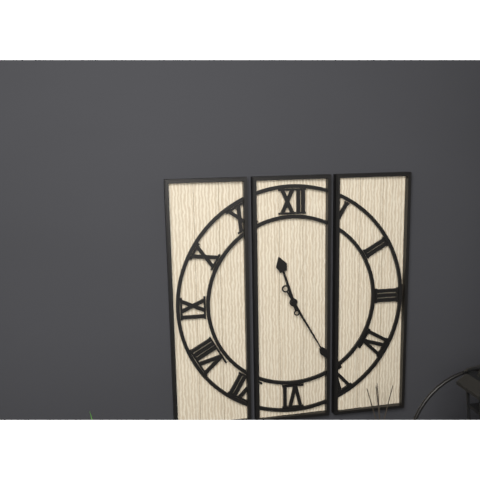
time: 11:25
